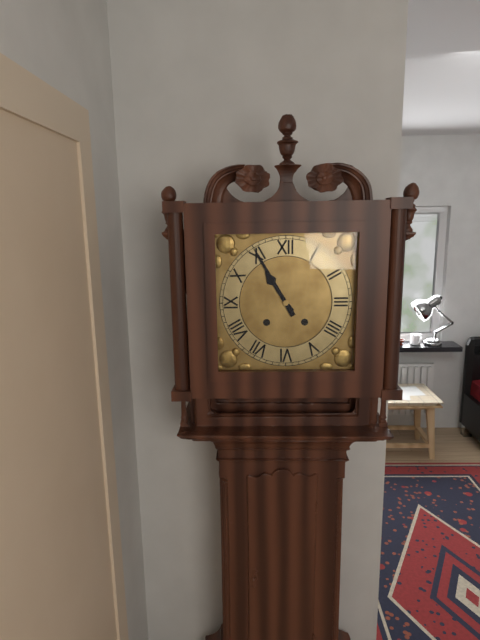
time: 10:55
